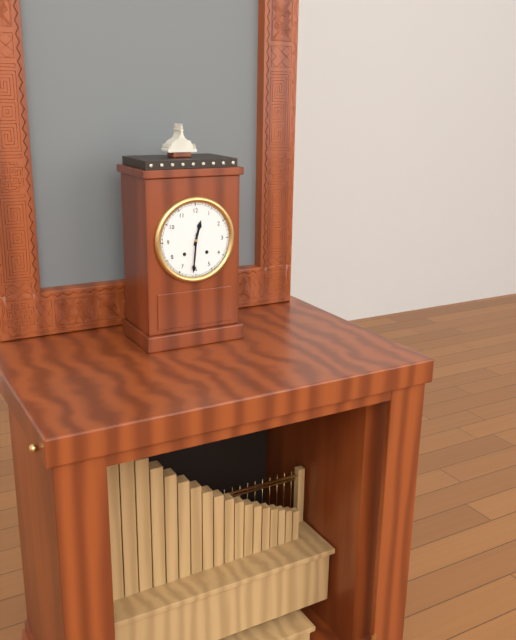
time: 12:31
